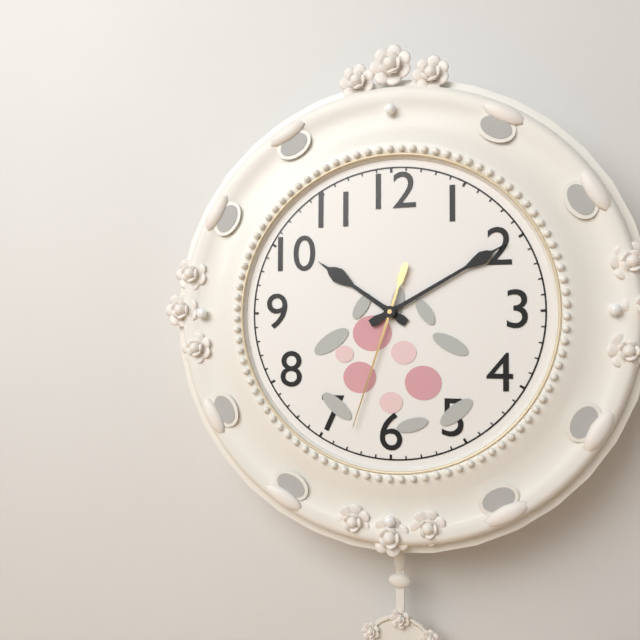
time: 10:10:33
